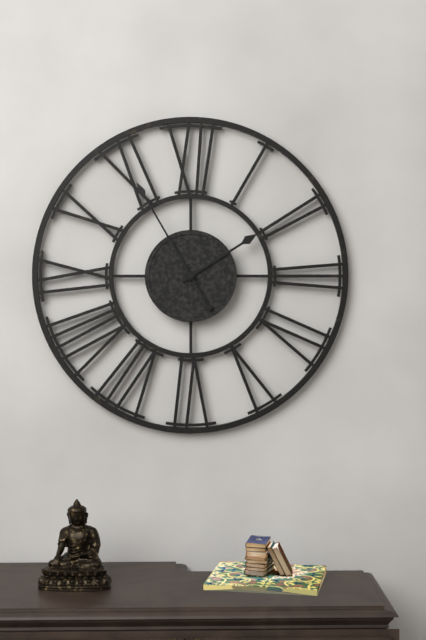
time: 1:55
